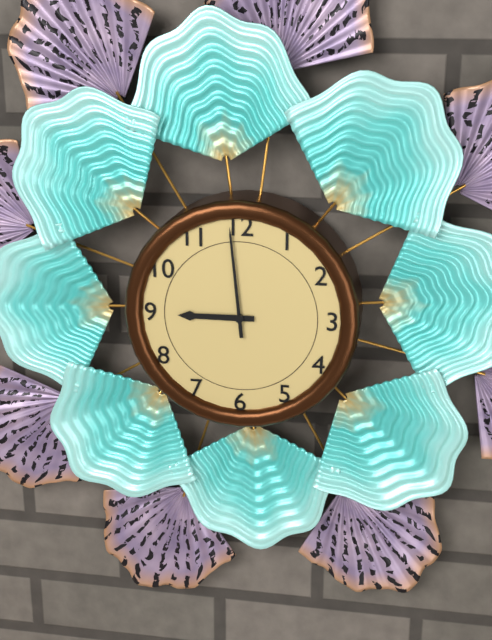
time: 8:59
